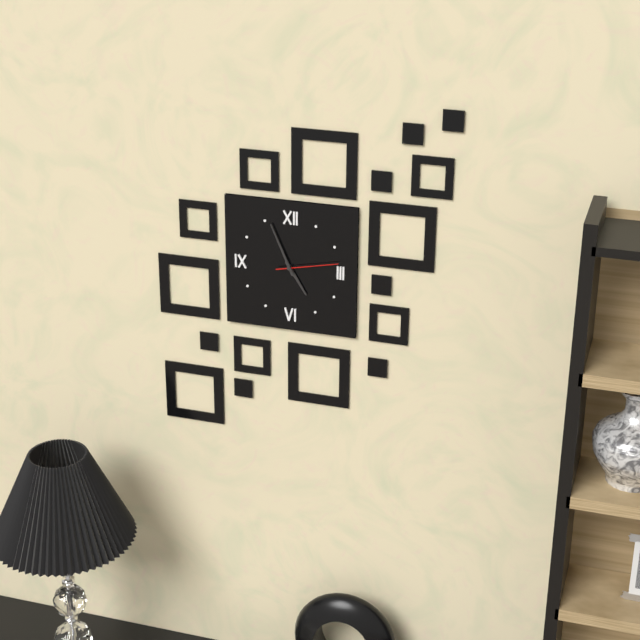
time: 4:56:13
